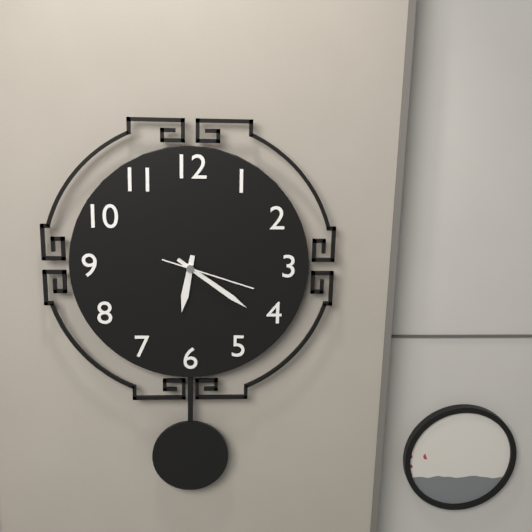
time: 6:21:18
